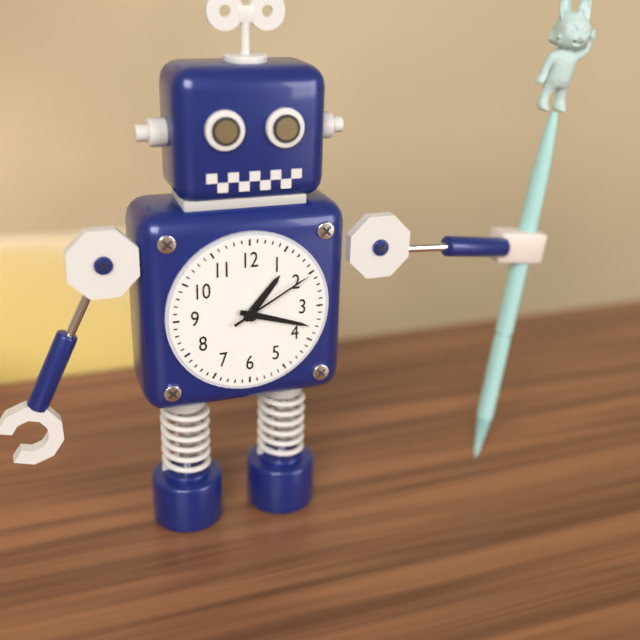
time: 1:18:10
